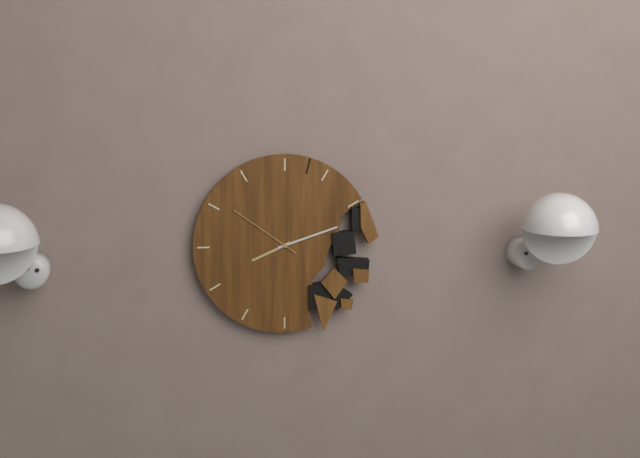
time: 8:12:51
